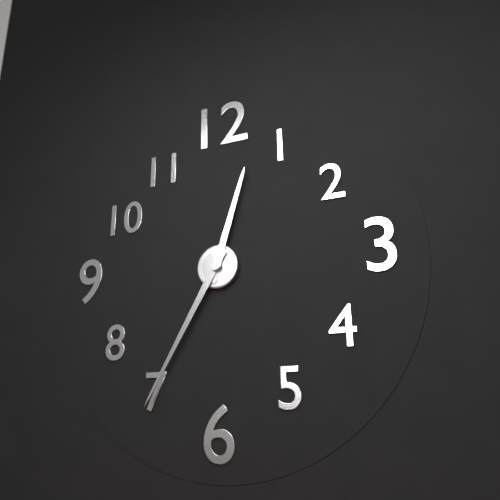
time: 12:35
